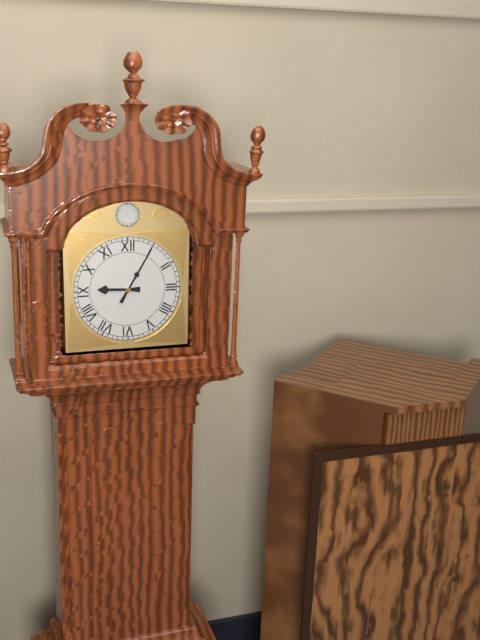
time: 9:05
